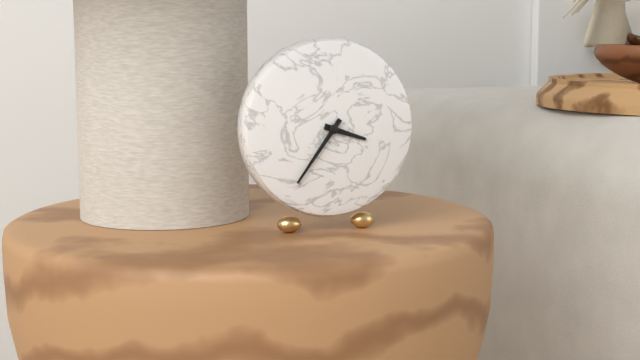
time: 3:36
